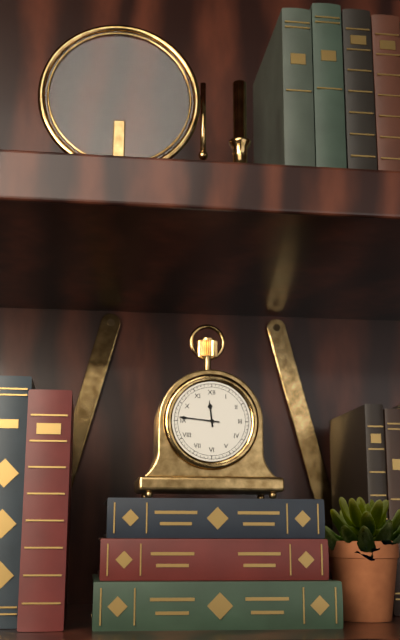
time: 11:46
